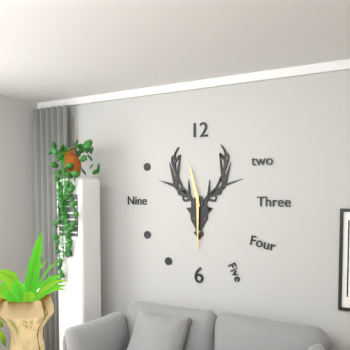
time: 11:30
